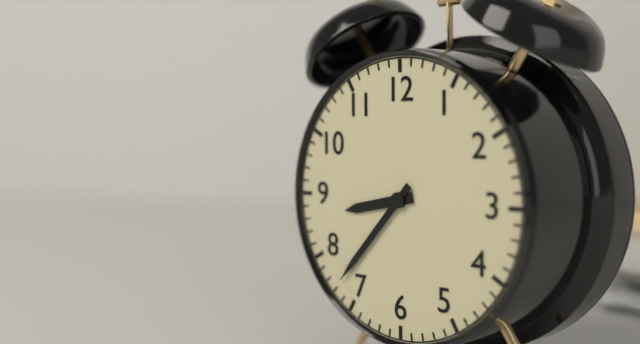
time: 8:37
